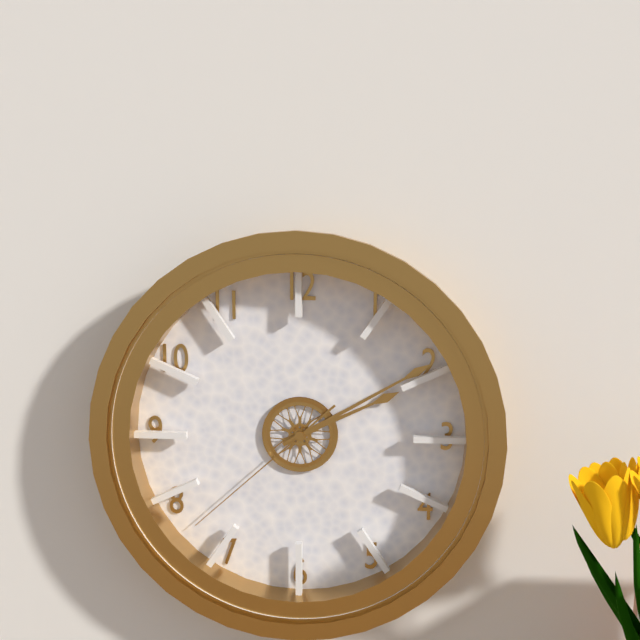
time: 2:10:38
